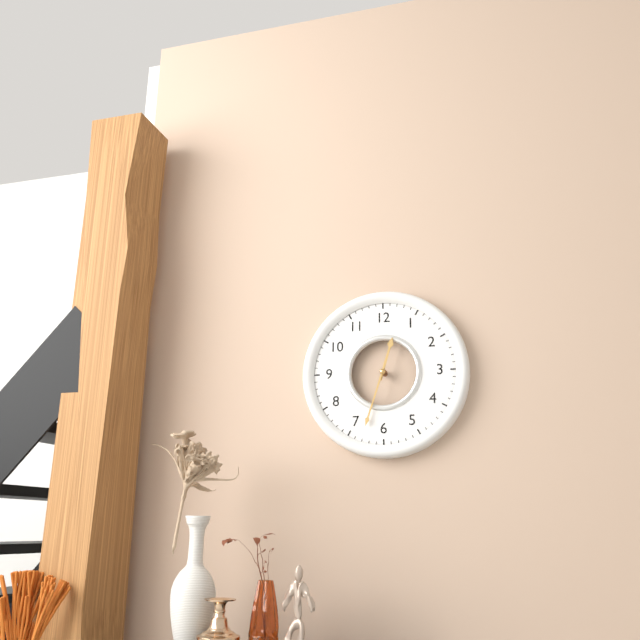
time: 12:33
